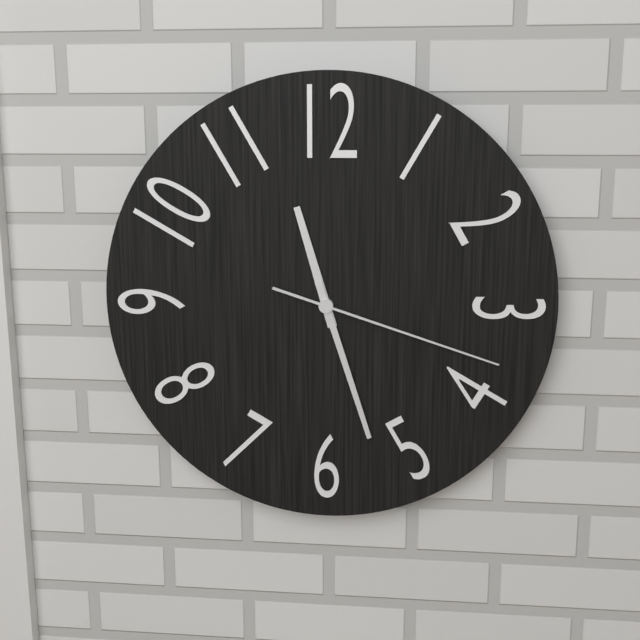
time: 11:27:18
